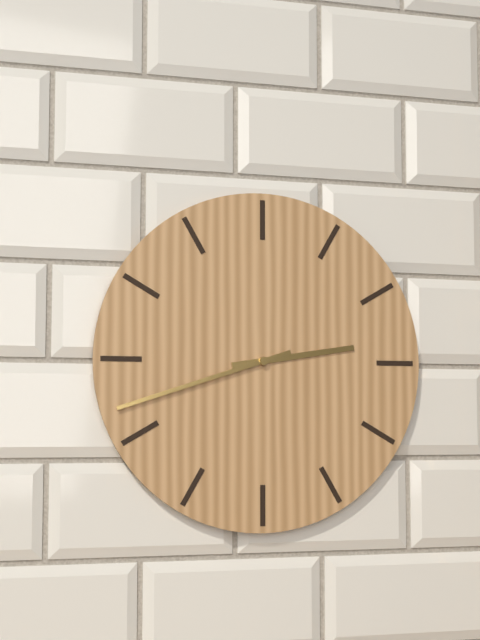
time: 2:42
